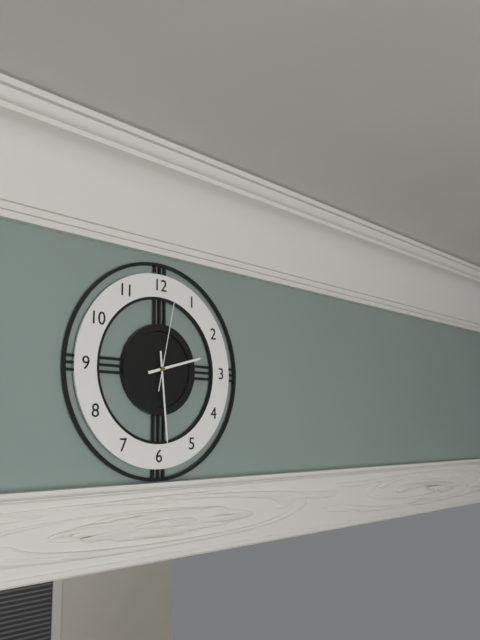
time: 2:29:02
